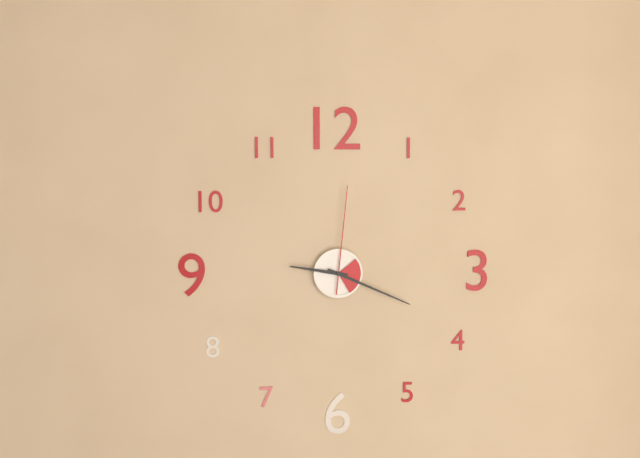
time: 9:19:01
